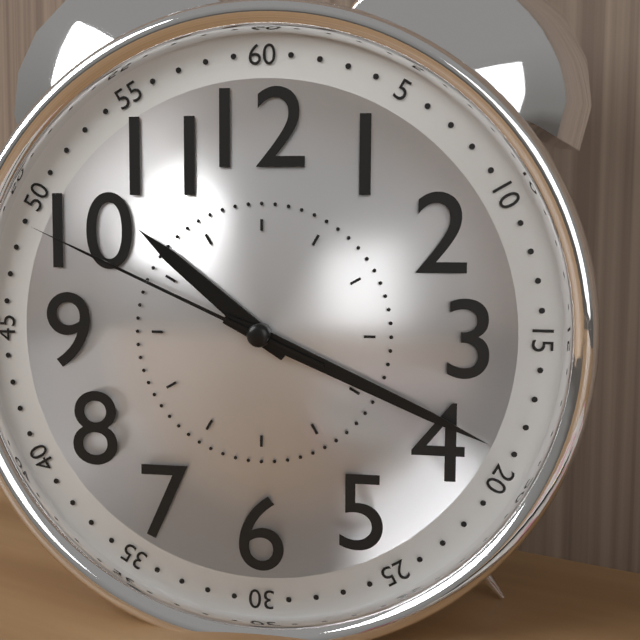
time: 10:19:49
